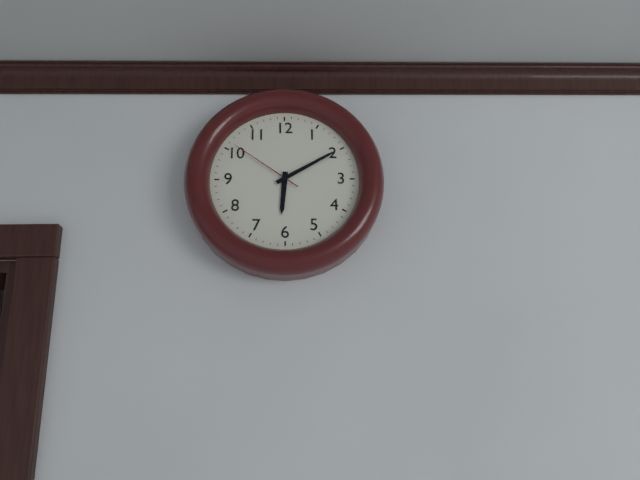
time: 6:10:51
